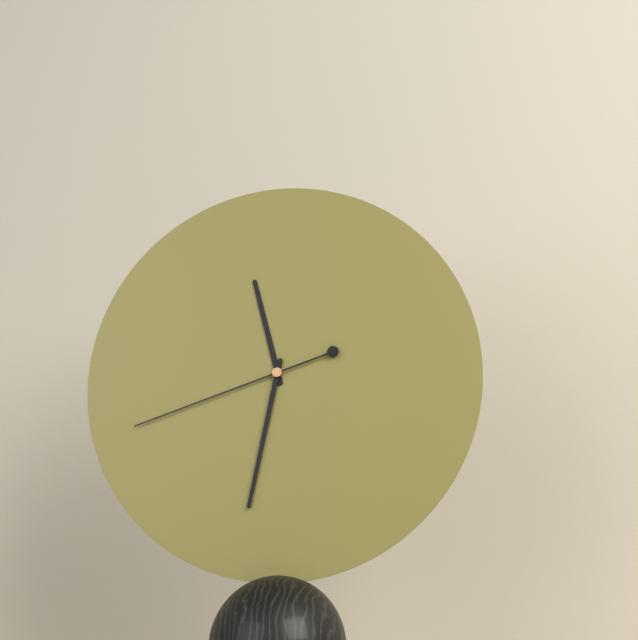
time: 11:32:42
